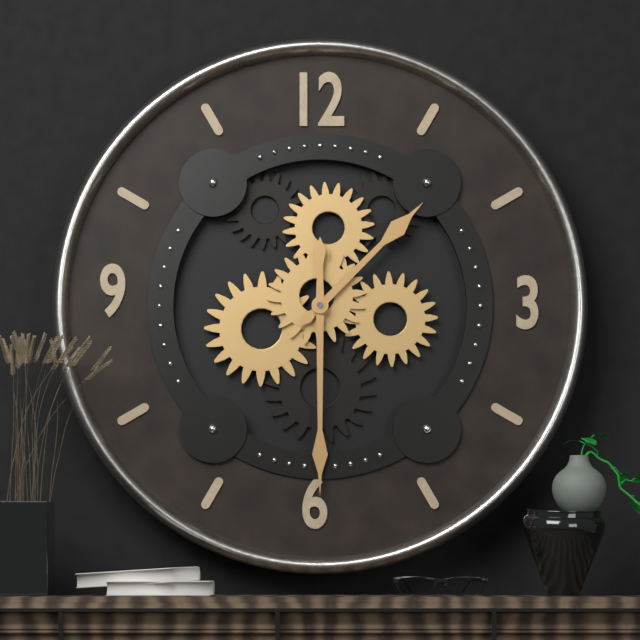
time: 1:30
